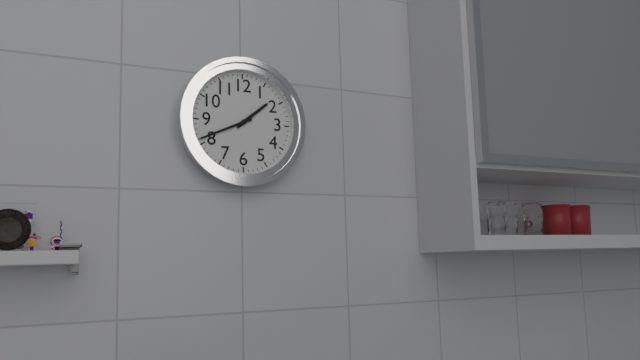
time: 1:41
